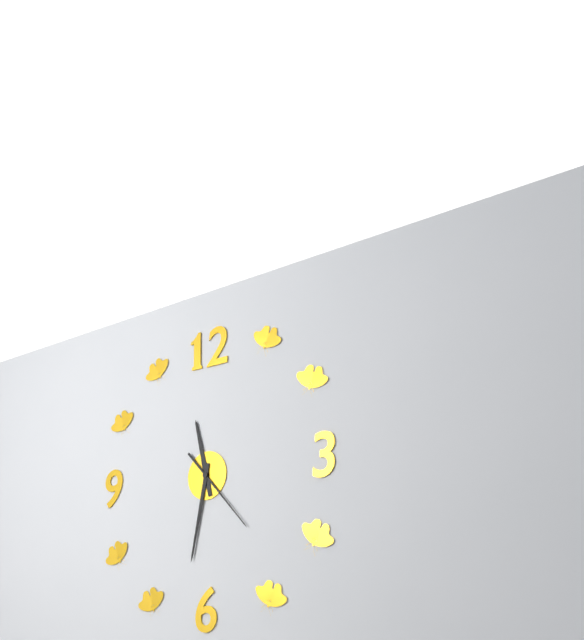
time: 11:32:23
